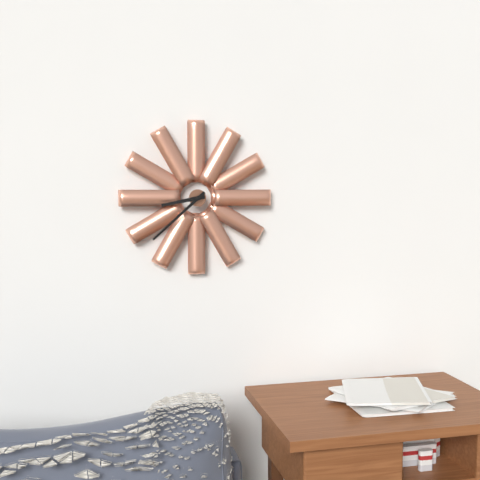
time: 8:38
